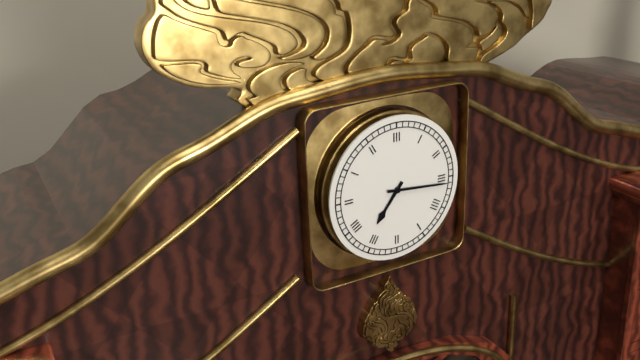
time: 7:16
